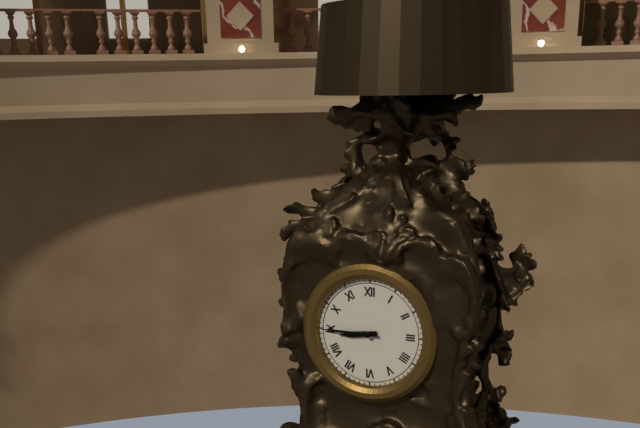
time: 8:45
